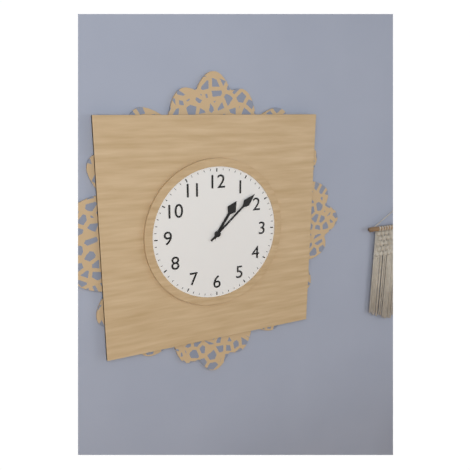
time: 1:08
